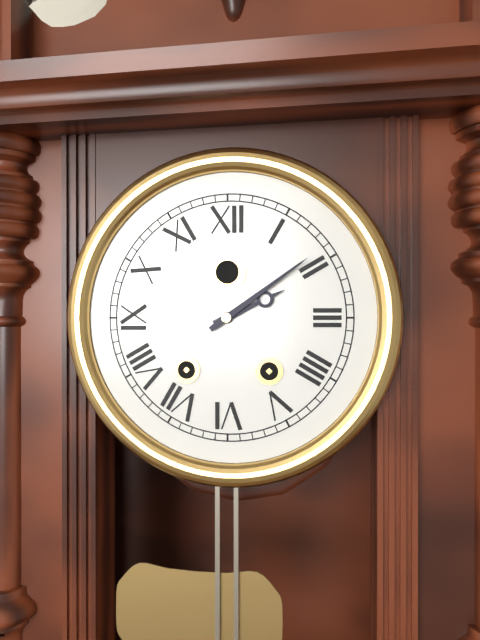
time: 2:09
